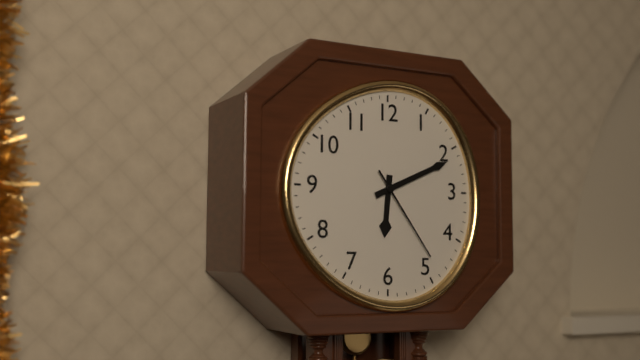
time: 6:11:24
